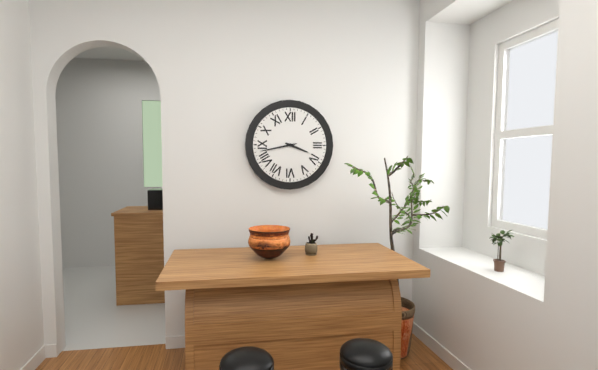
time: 3:43
